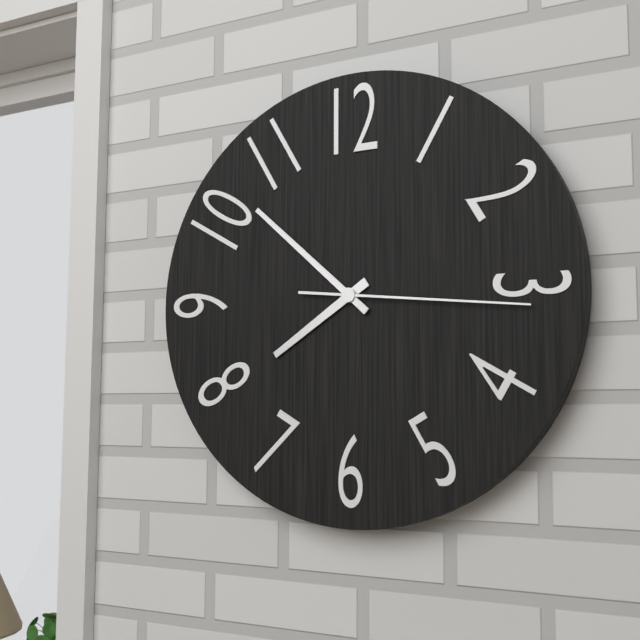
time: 7:52:16
